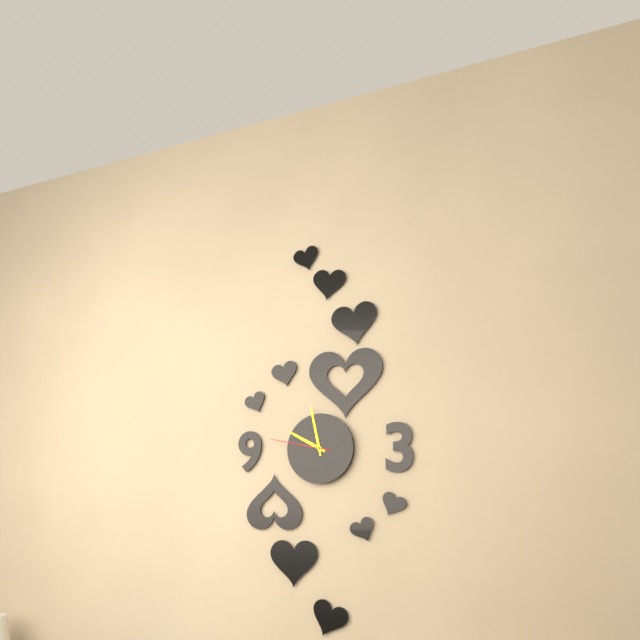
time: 9:58:47
